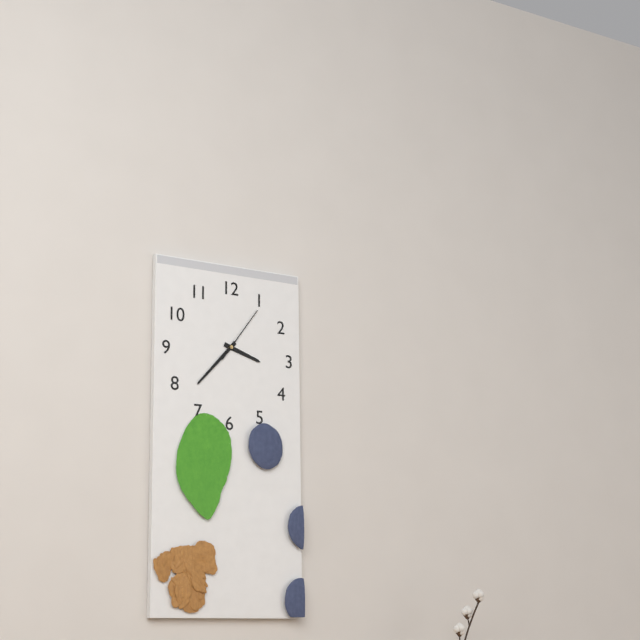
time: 3:37:06
